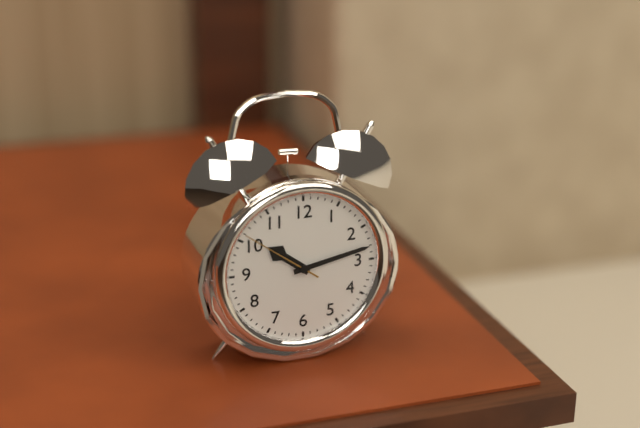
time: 10:13:51
